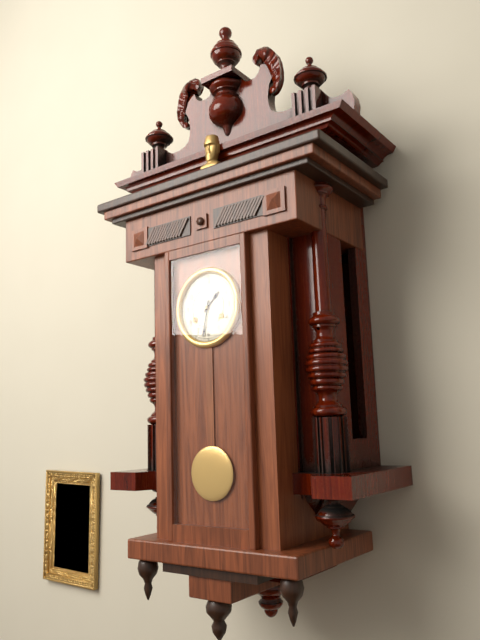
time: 1:32
